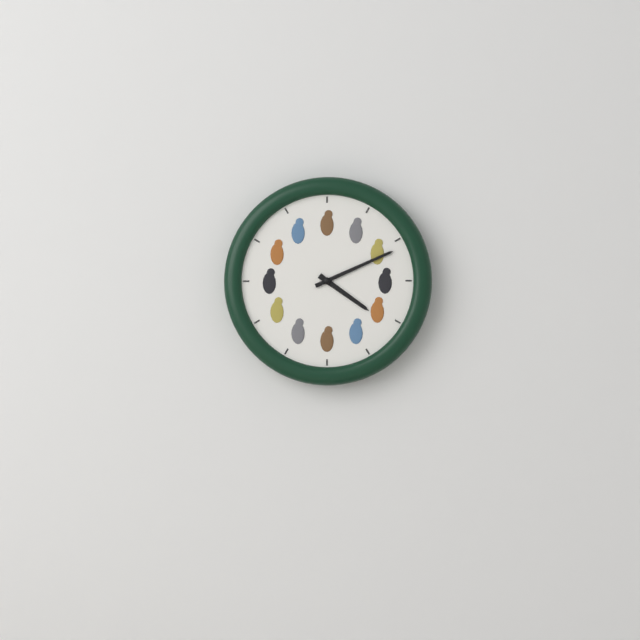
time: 4:11
